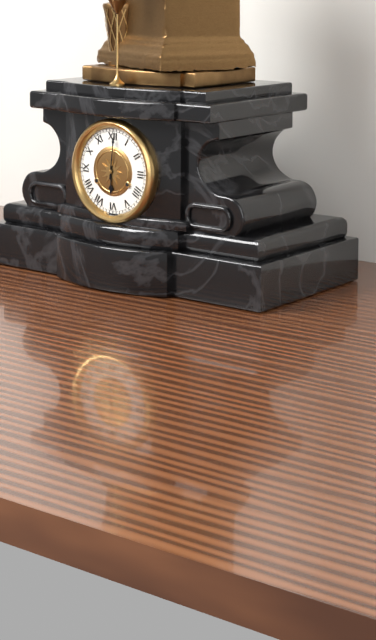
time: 6:01
